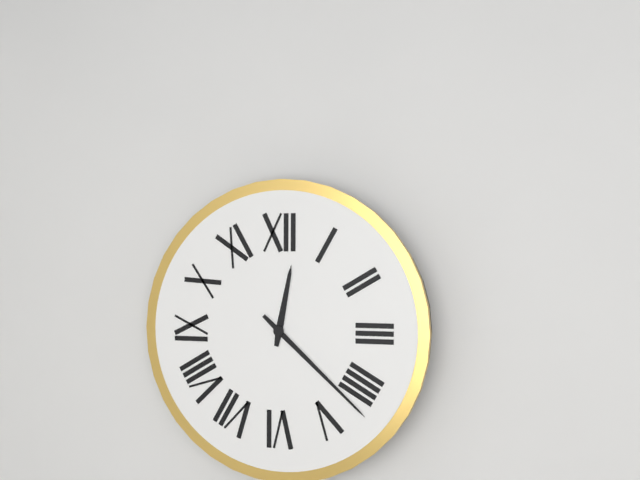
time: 12:22
